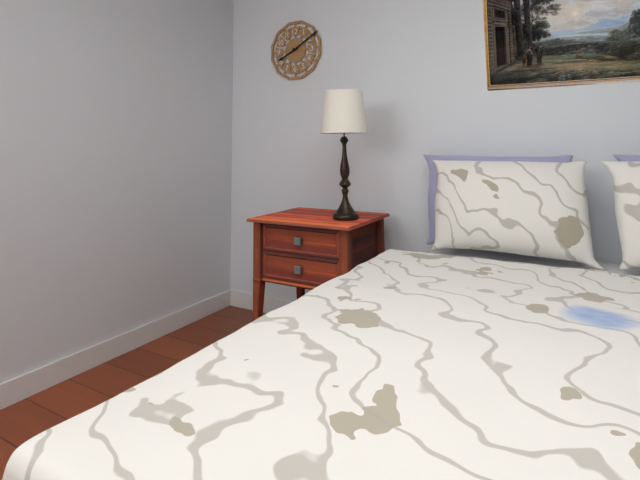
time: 8:10
